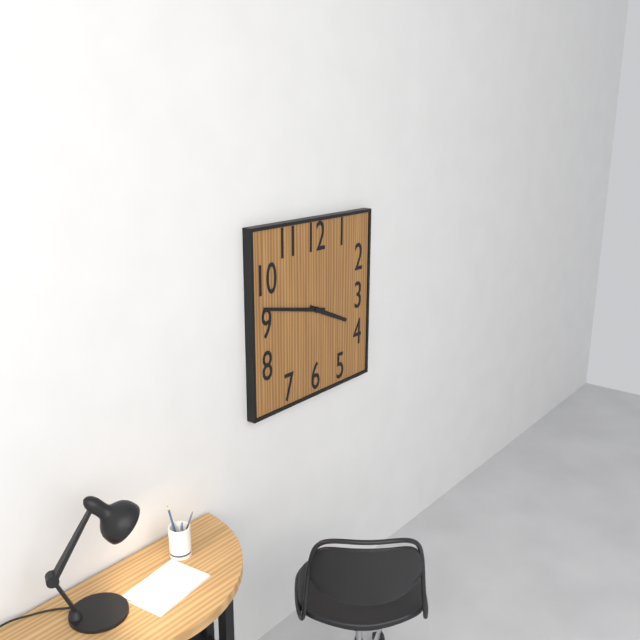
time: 3:47
